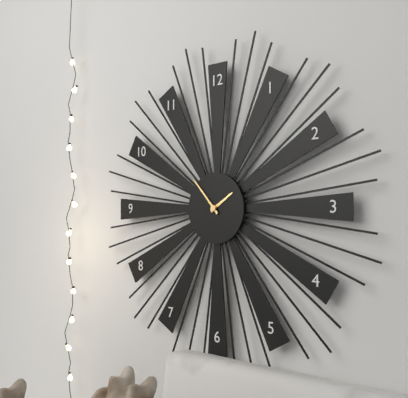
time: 1:53
